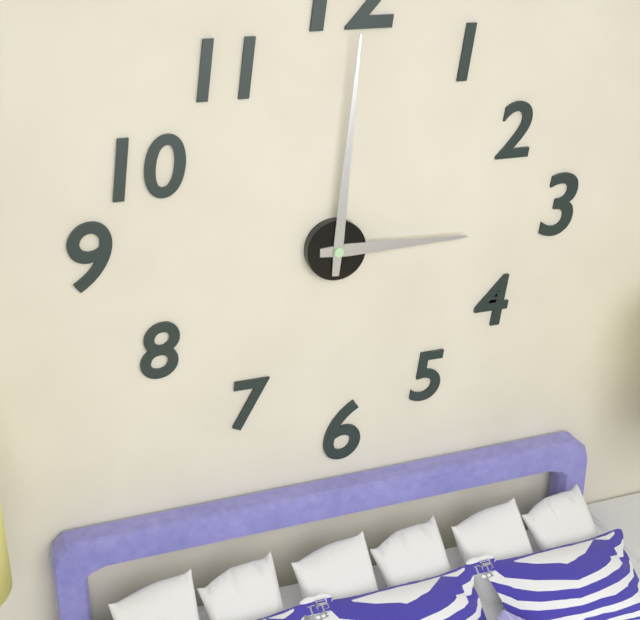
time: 3:01
